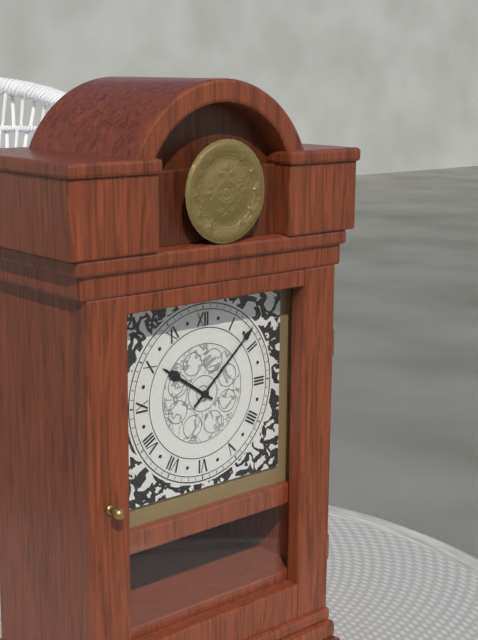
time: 10:08
